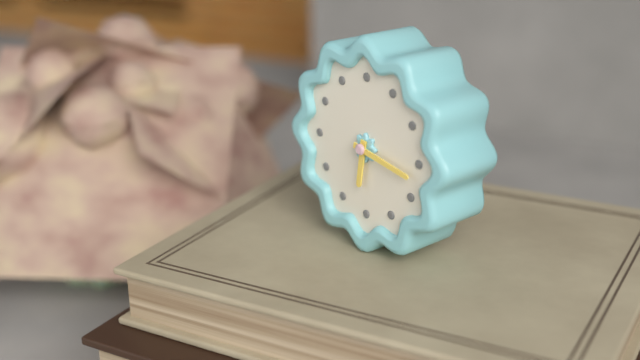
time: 6:17
